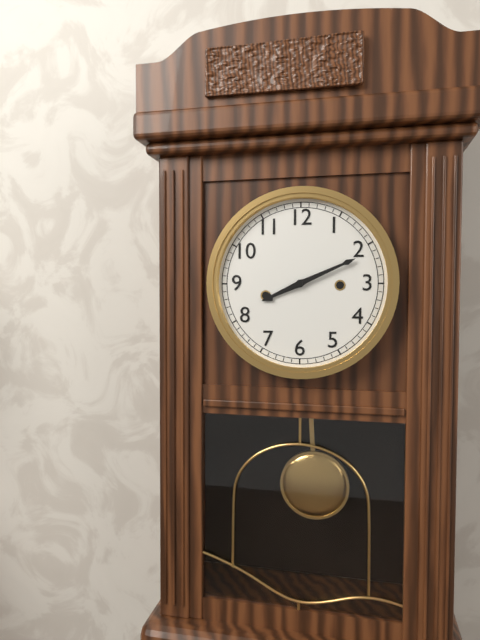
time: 8:11
